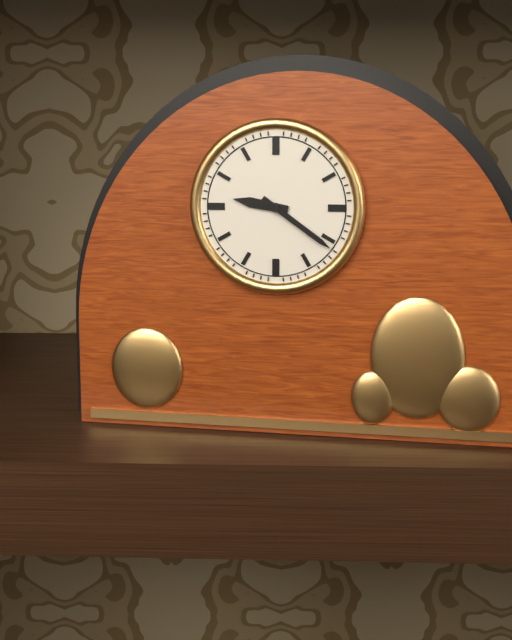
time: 9:21
